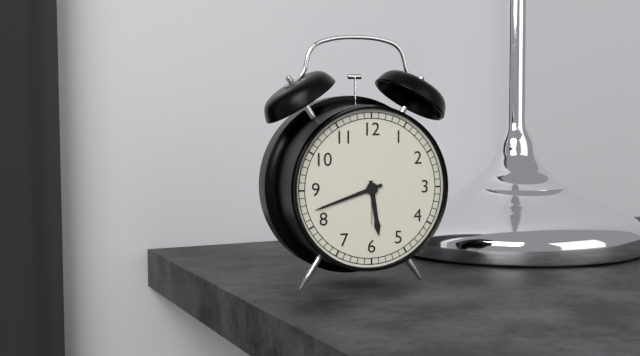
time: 5:42
